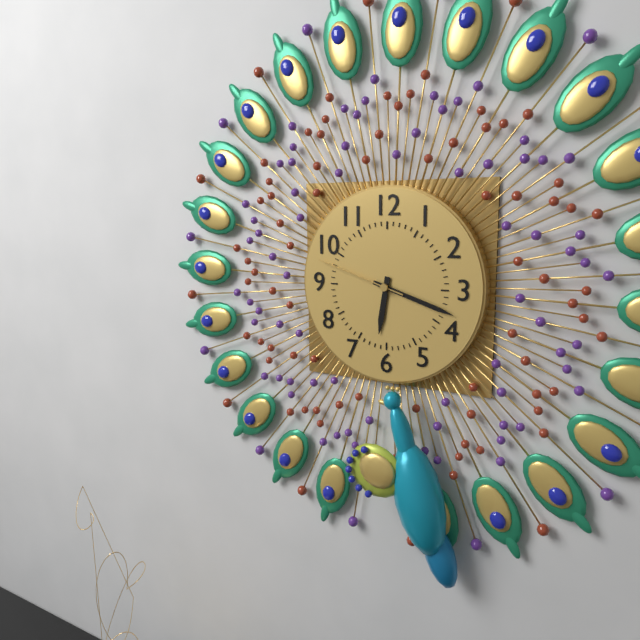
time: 6:18:48
